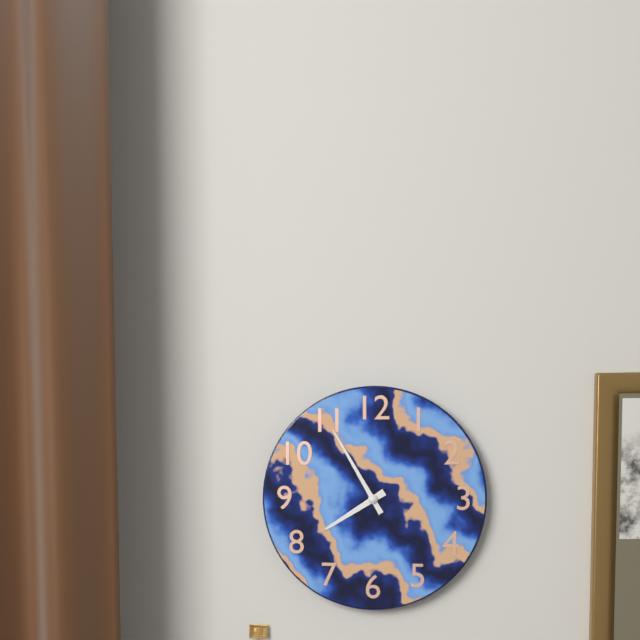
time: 7:55
